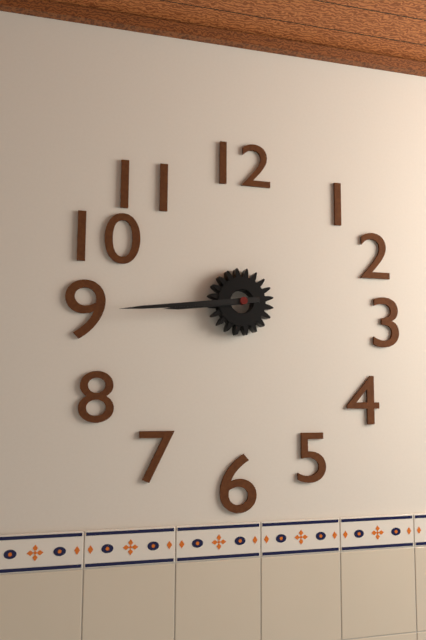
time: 8:44
